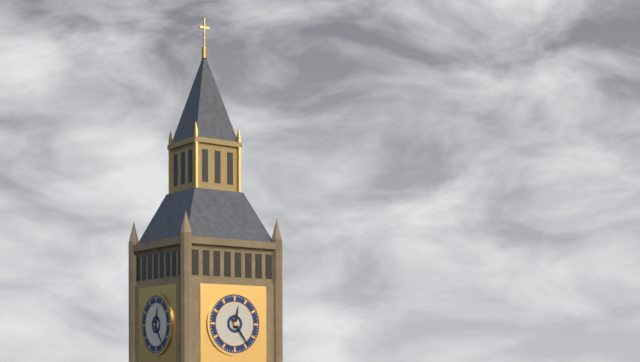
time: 12:24
